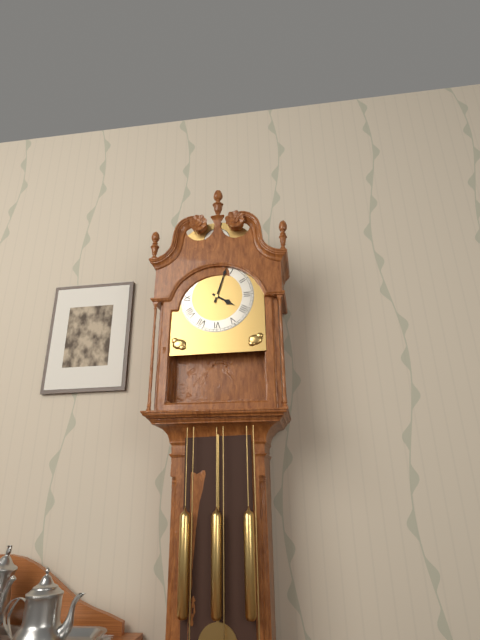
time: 4:03
